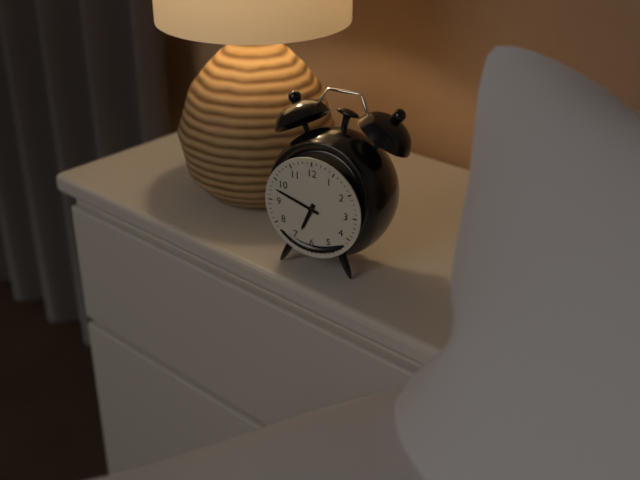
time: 6:48
